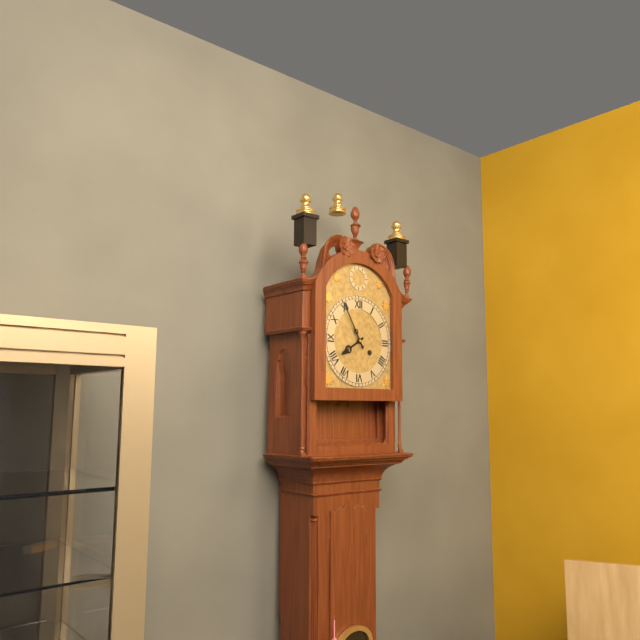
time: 7:55
